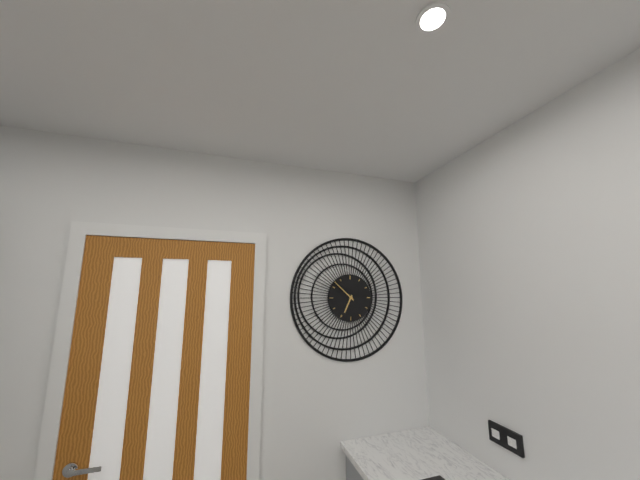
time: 6:52
